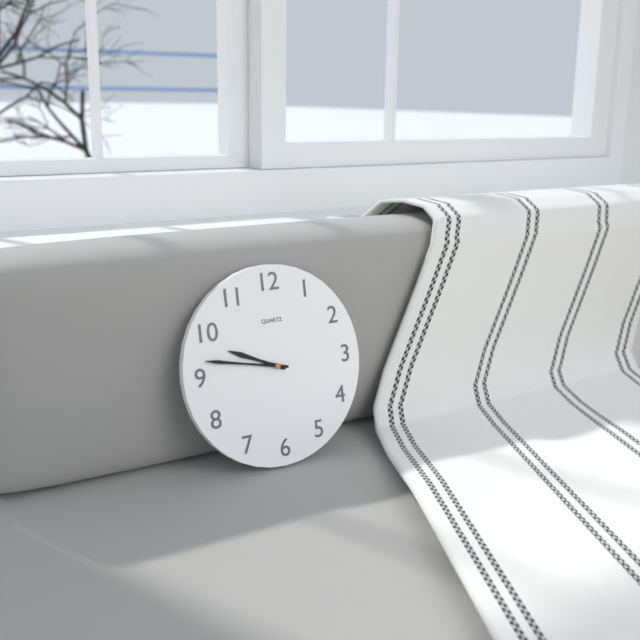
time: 9:47
